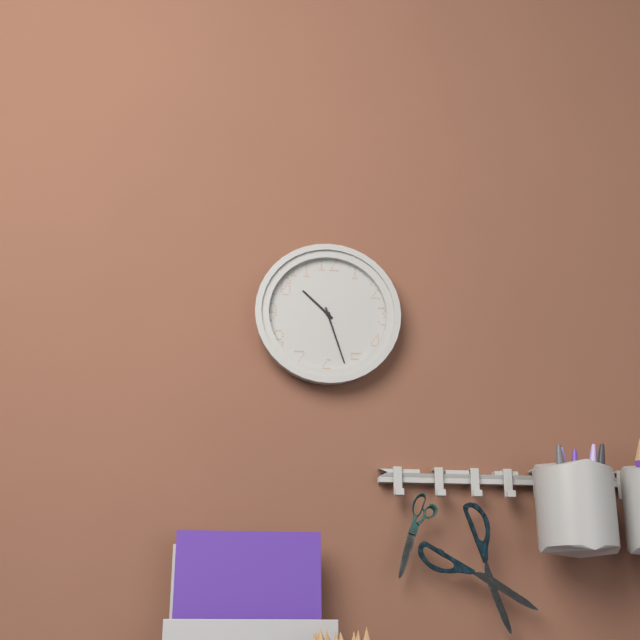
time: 10:27
